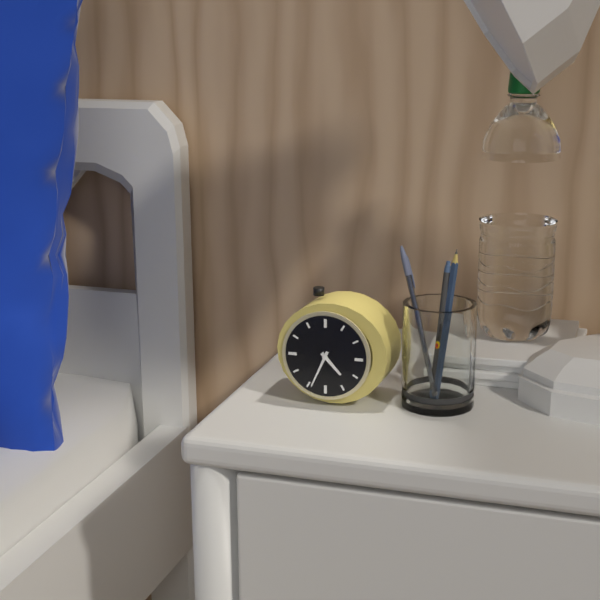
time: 4:34
